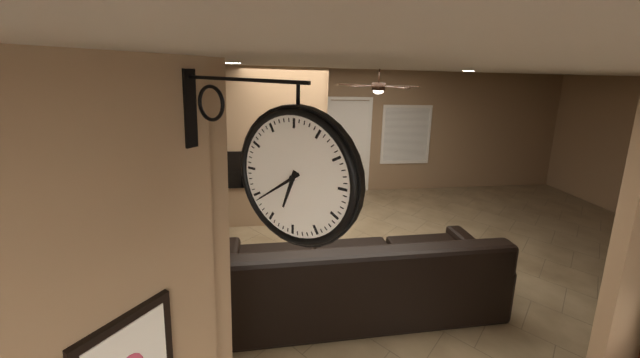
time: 6:39
